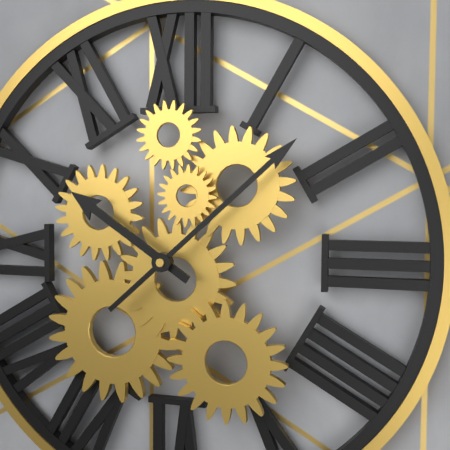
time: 10:08
